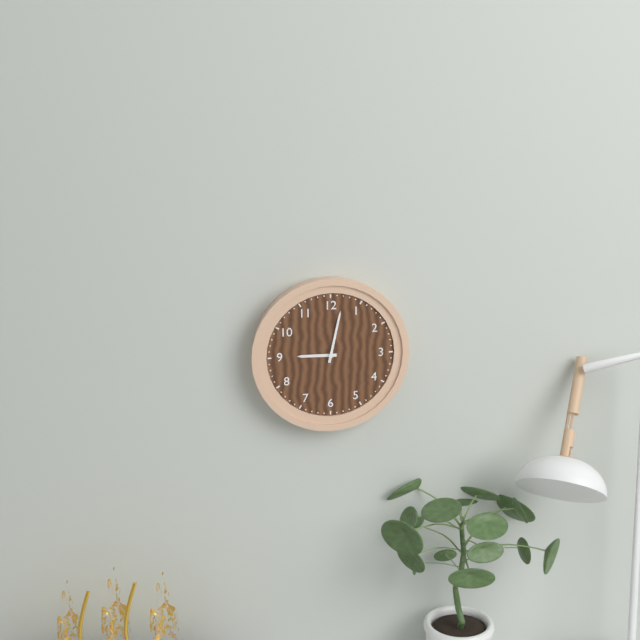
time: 9:02
